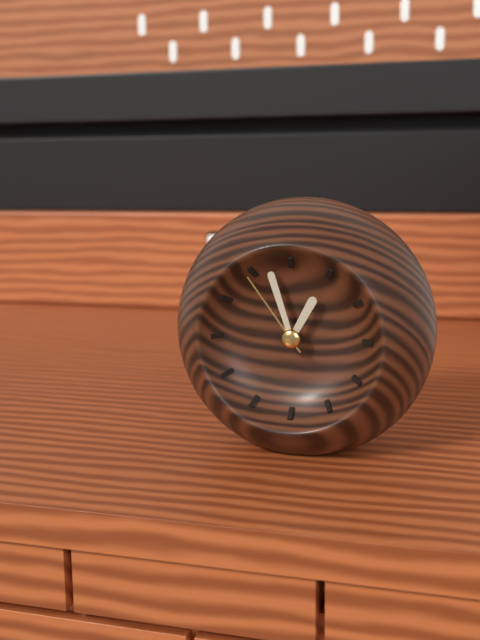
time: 12:57:54
